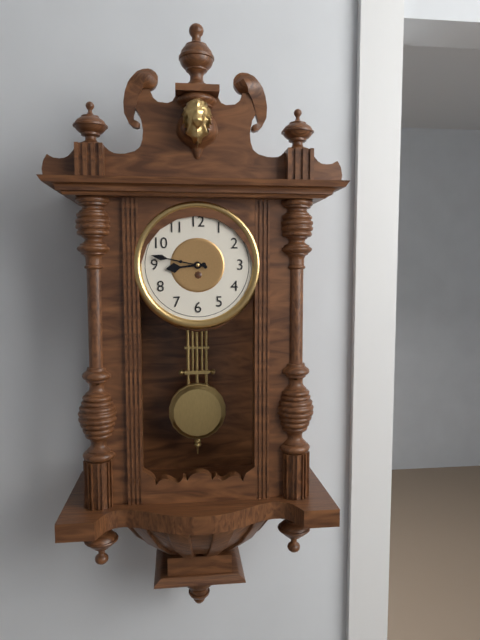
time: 8:47
